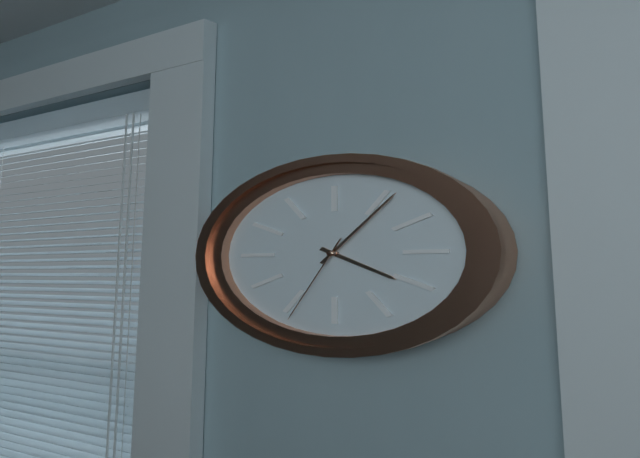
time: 4:06:34
